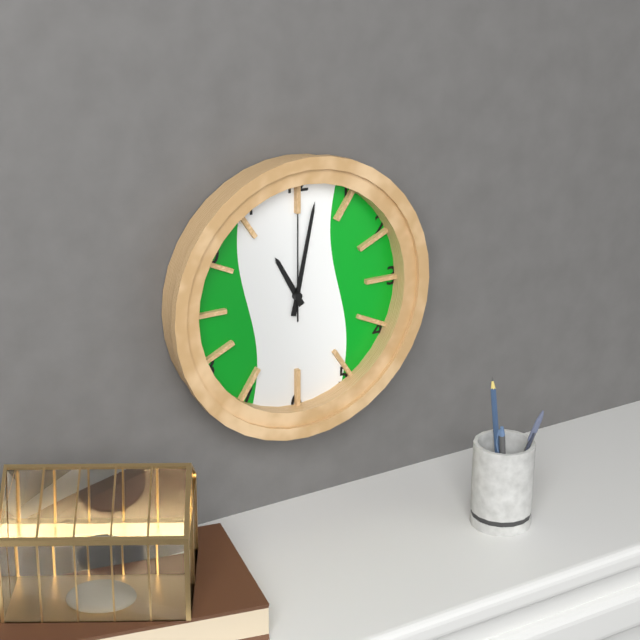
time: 11:02:00
